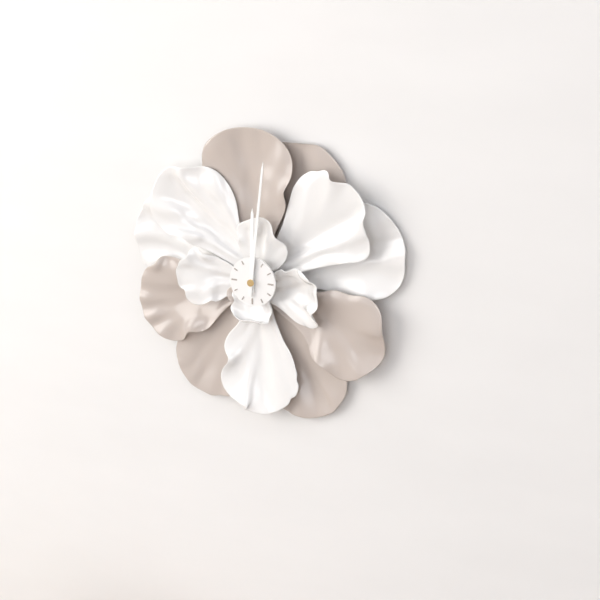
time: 12:01
